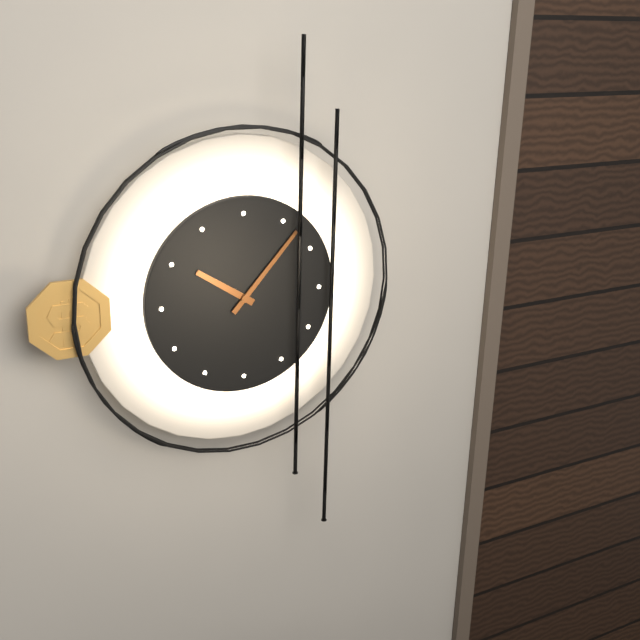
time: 10:07
